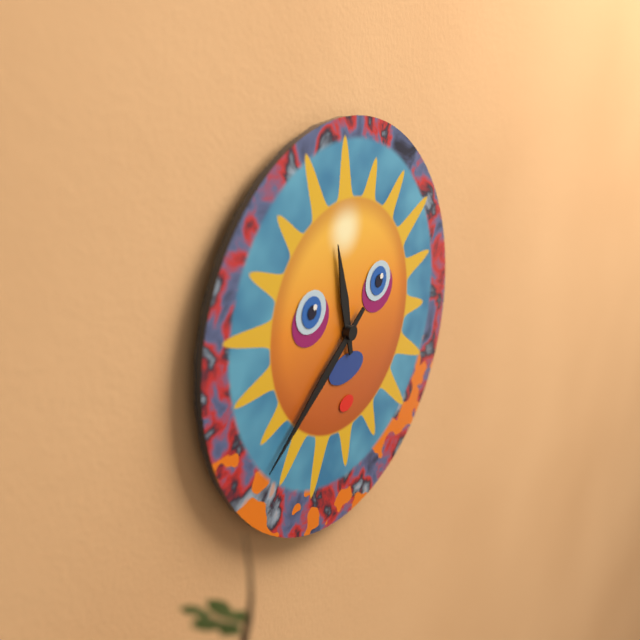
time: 11:39
